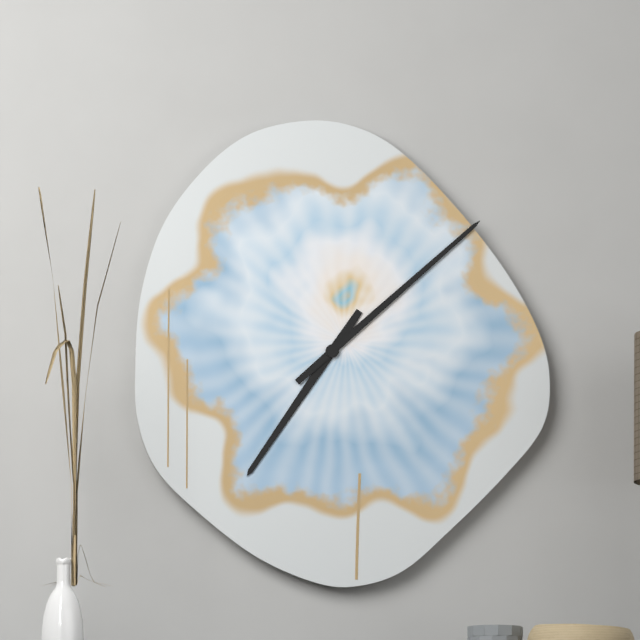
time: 7:08
